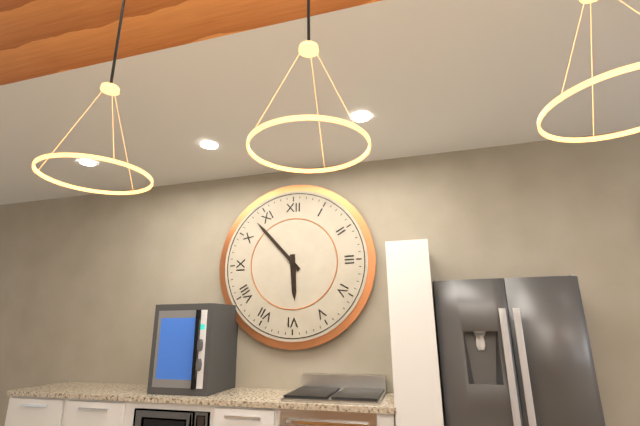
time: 5:53
